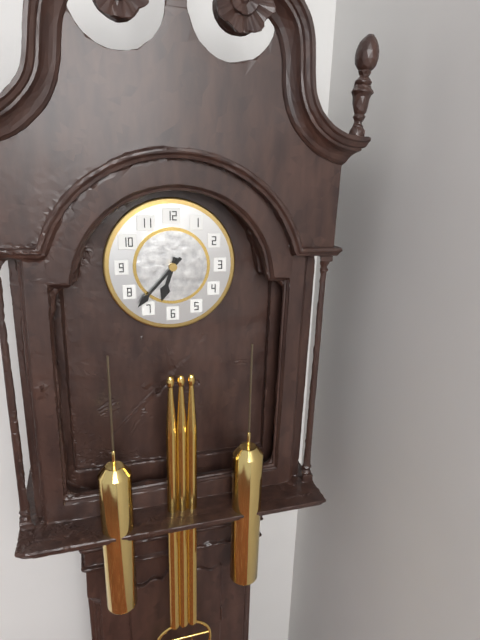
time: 6:37
